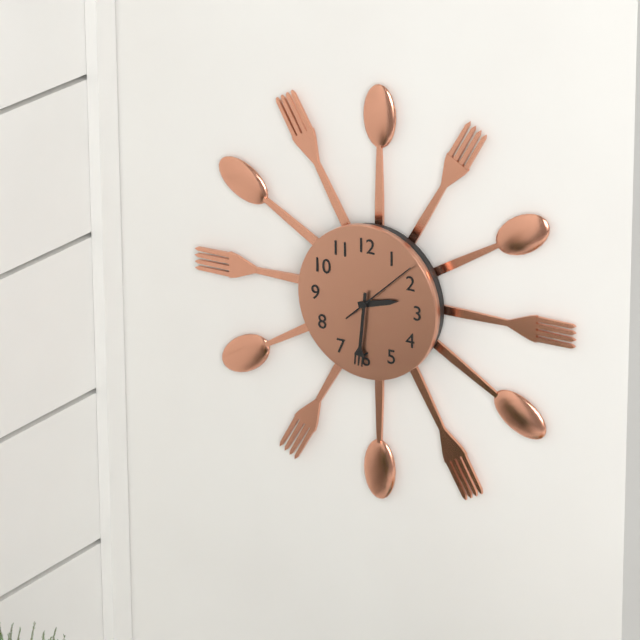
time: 2:31
